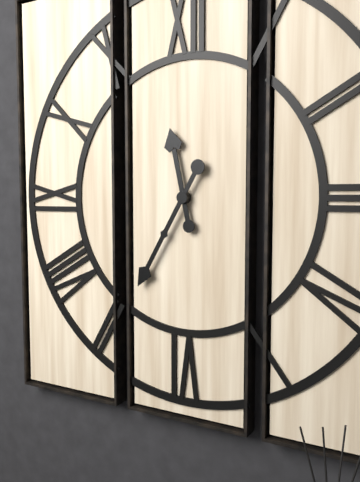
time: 11:35
